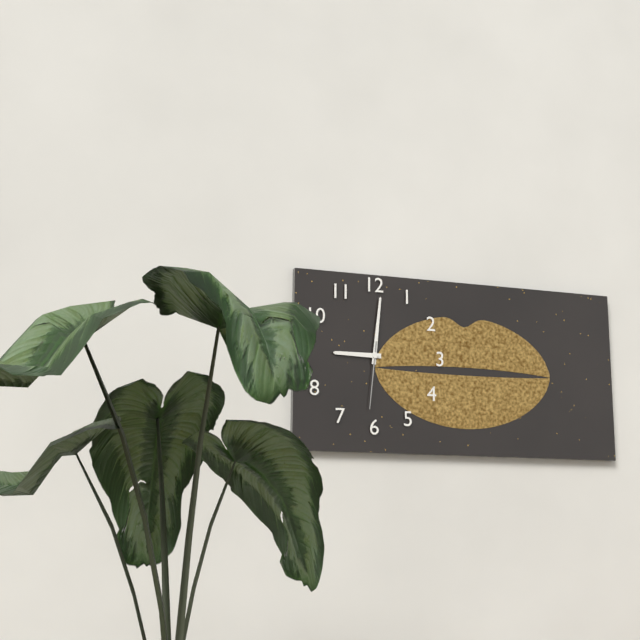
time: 9:01:31
